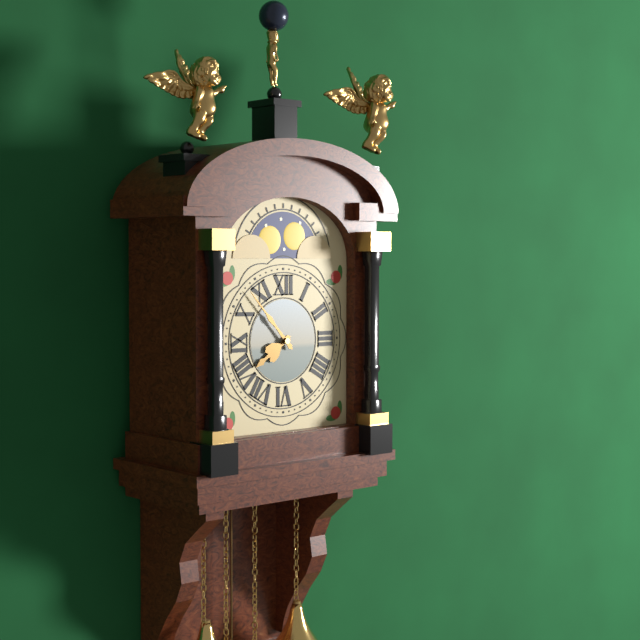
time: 7:53
